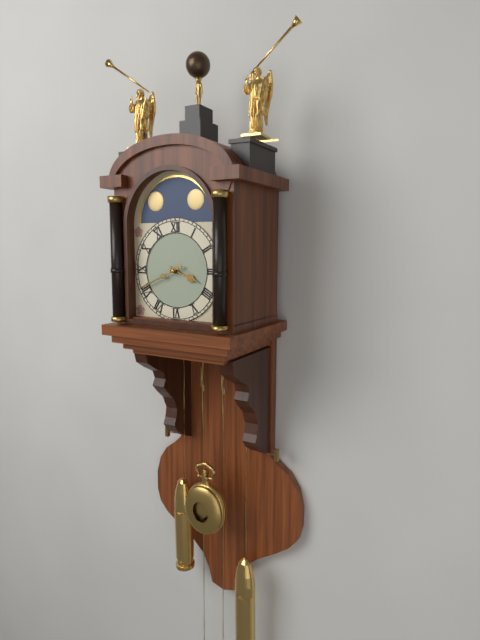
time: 3:41
